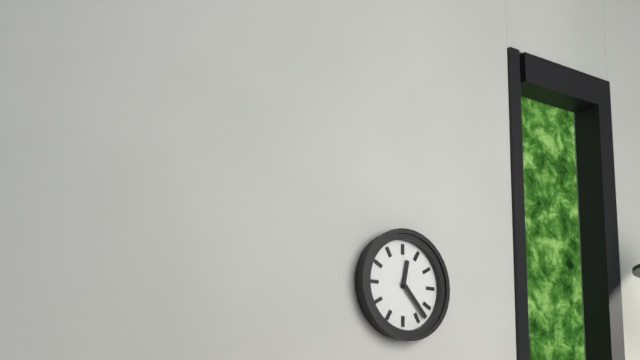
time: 12:23
